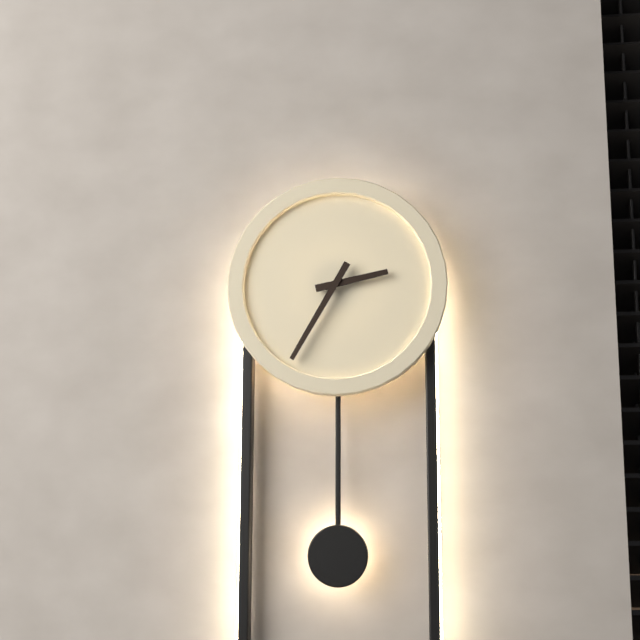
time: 2:35
